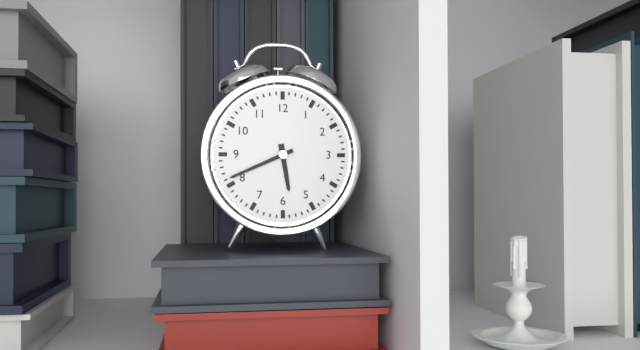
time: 5:41
